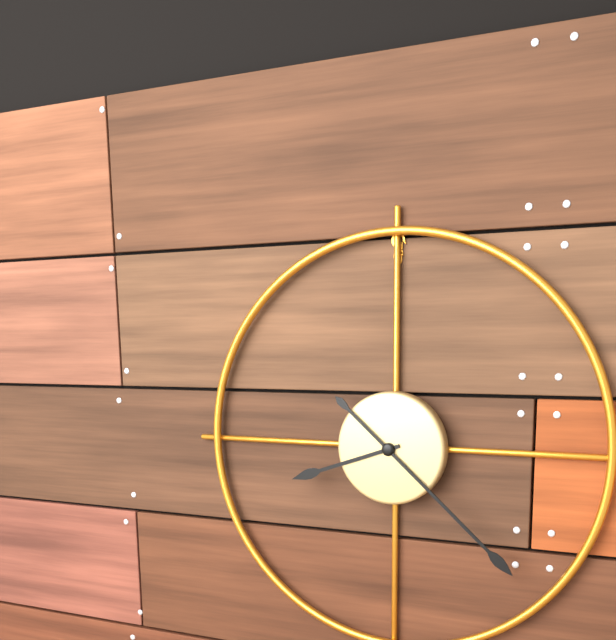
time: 8:22
